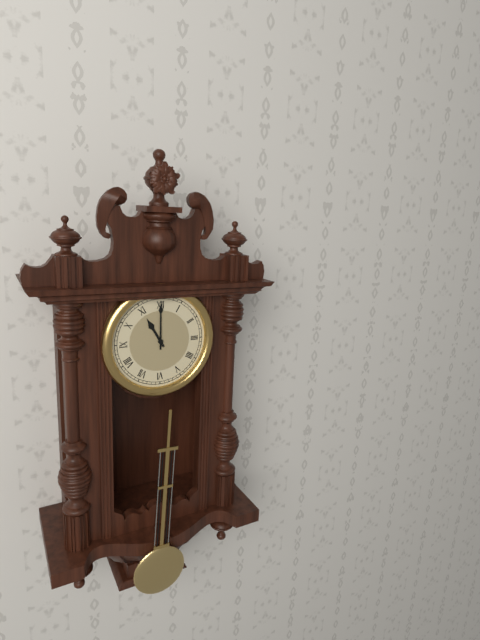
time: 11:00
